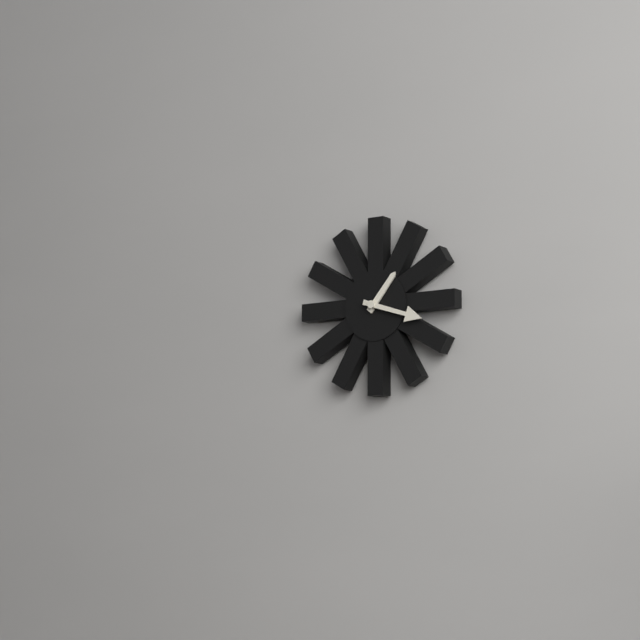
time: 1:18
